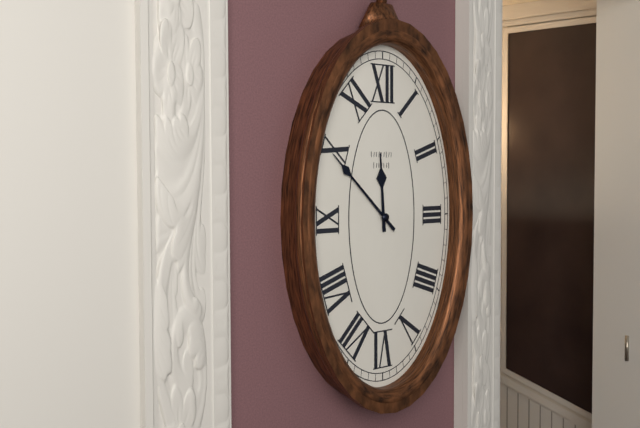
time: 11:52
